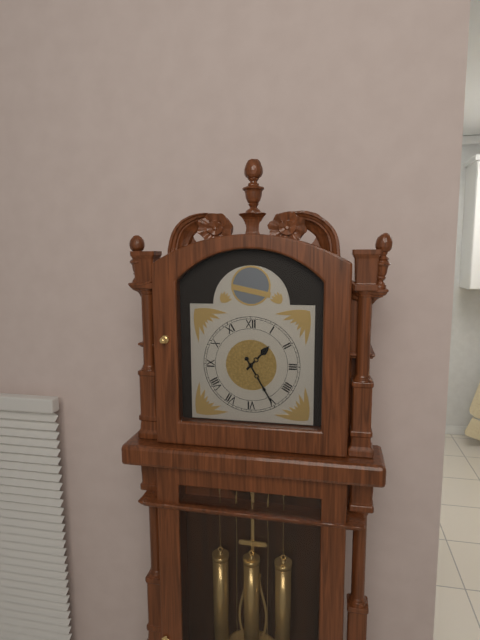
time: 1:25
